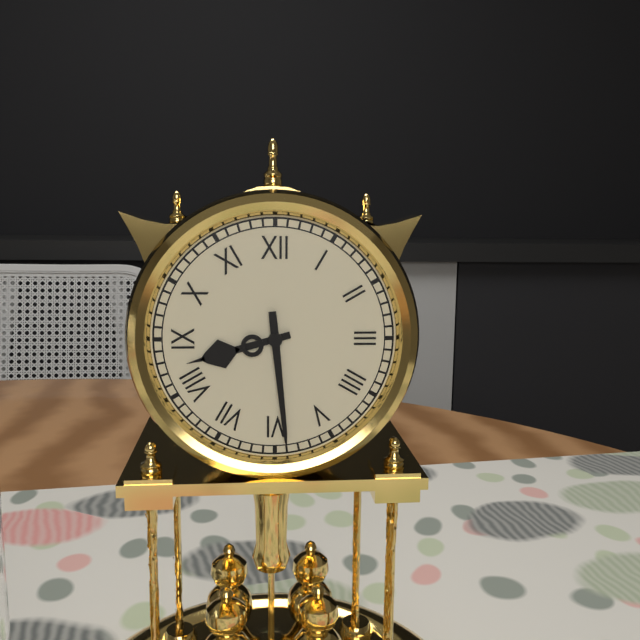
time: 8:29
